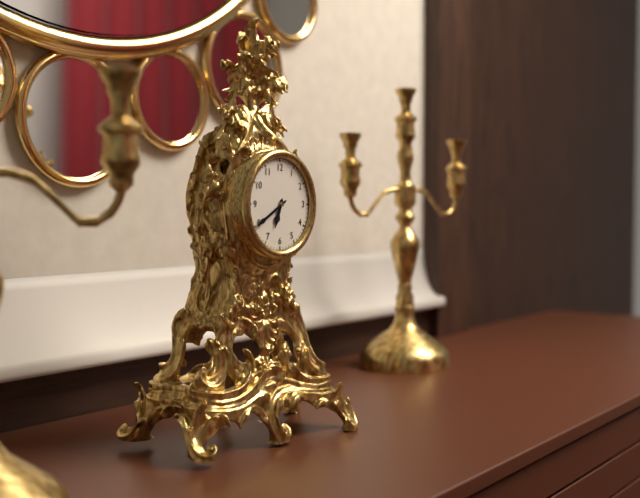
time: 6:40
